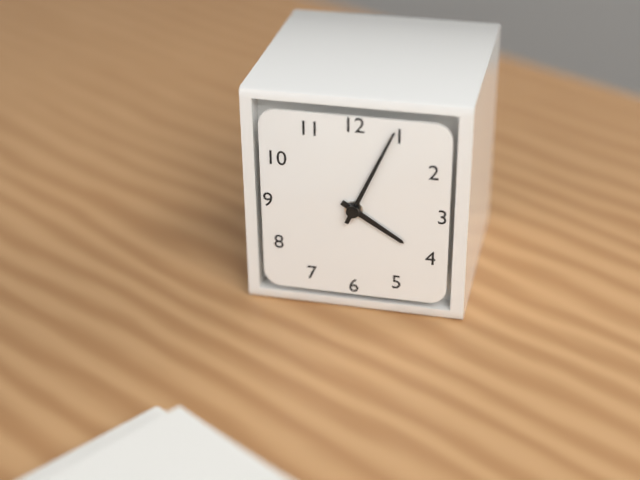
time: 4:04
